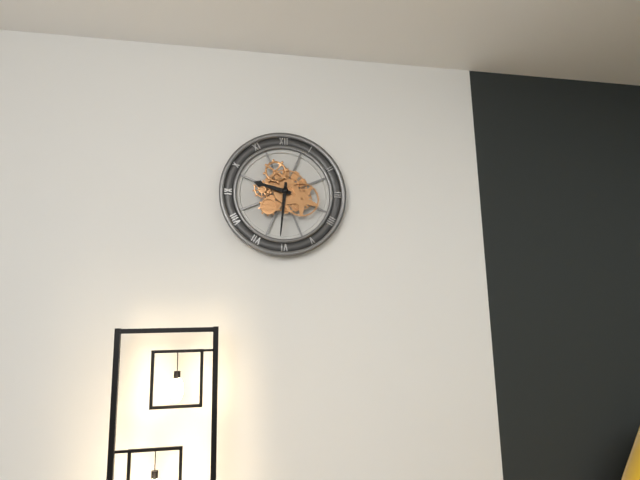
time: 9:31
